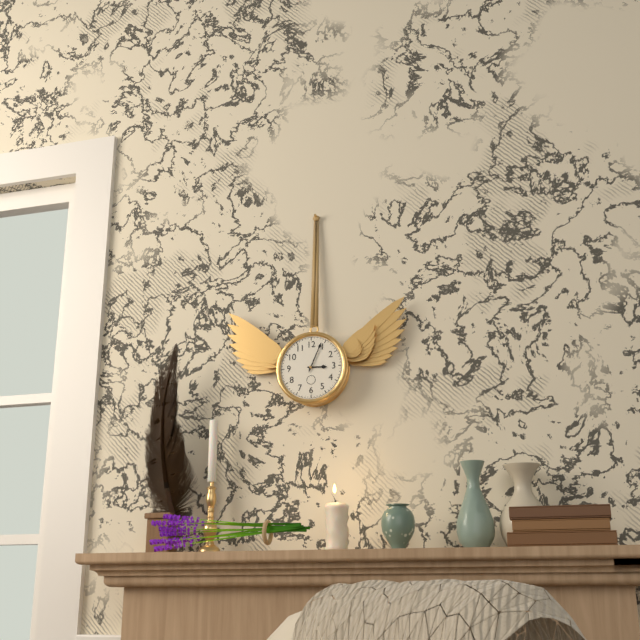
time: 3:04
